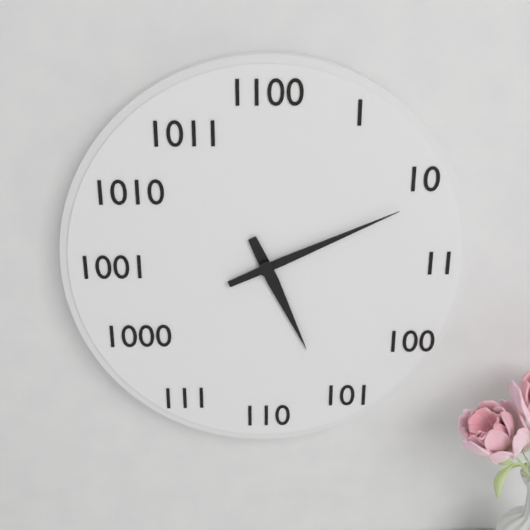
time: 5:11
